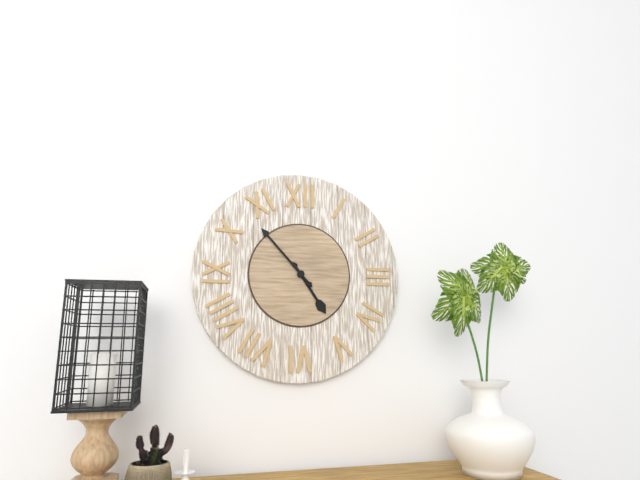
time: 4:53
